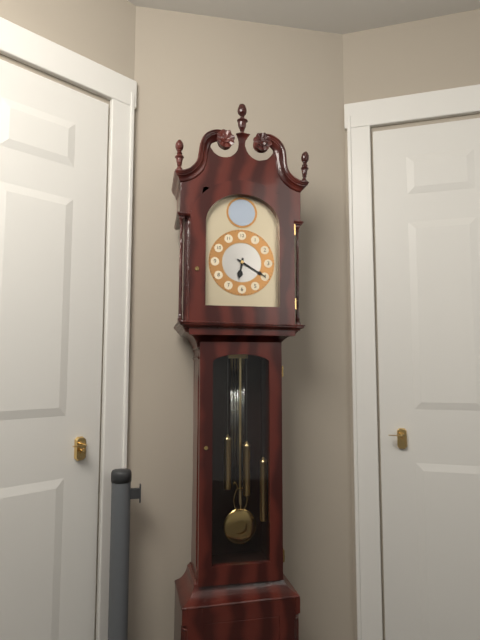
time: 6:20
